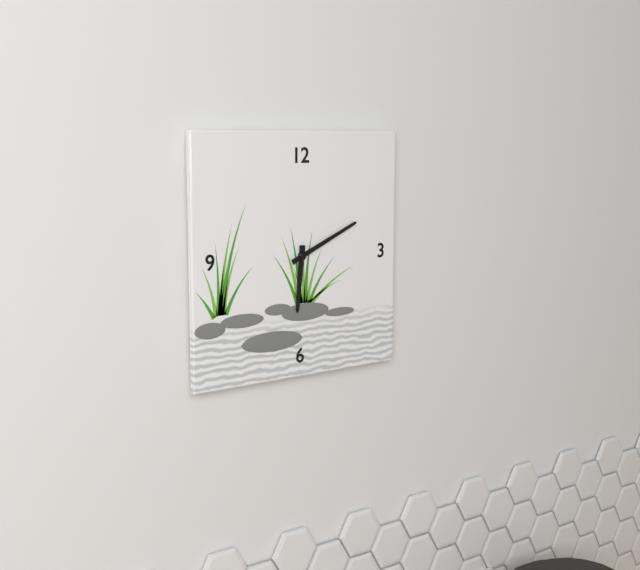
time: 6:11
